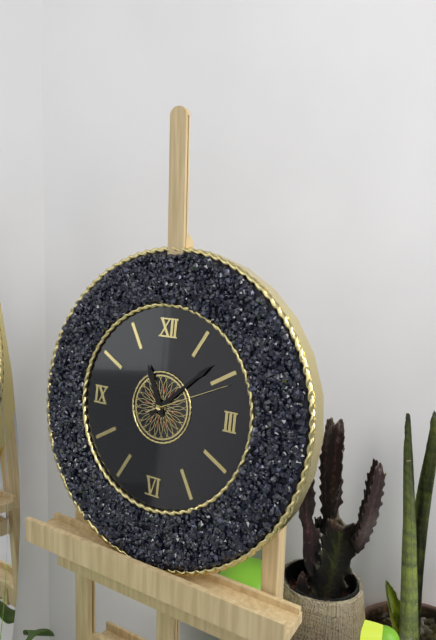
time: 11:08:11
